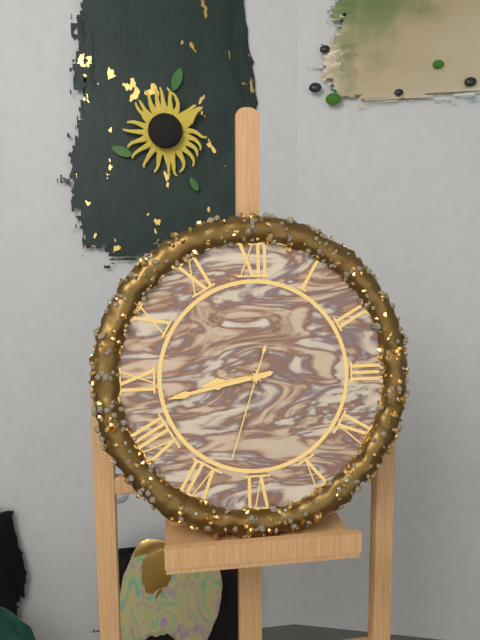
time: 8:43:33
